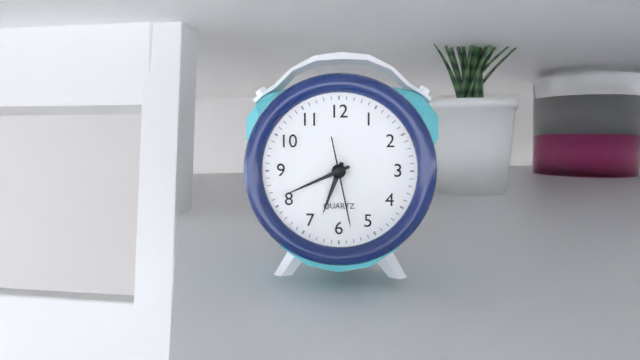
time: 6:41:28
